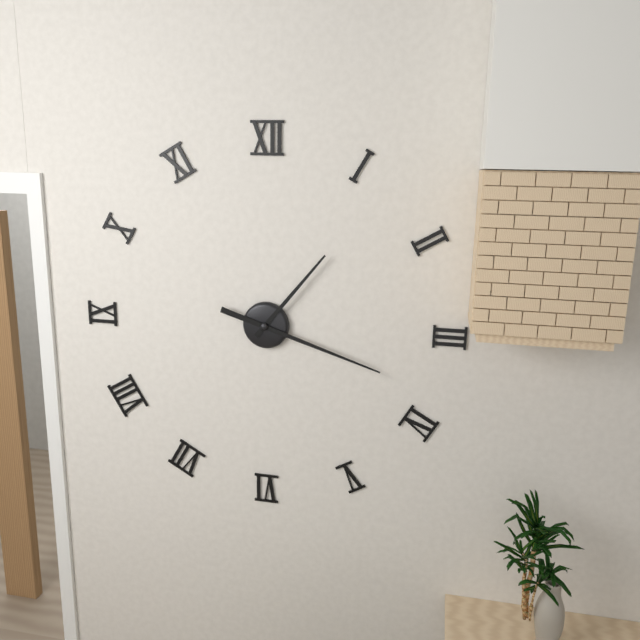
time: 1:18
